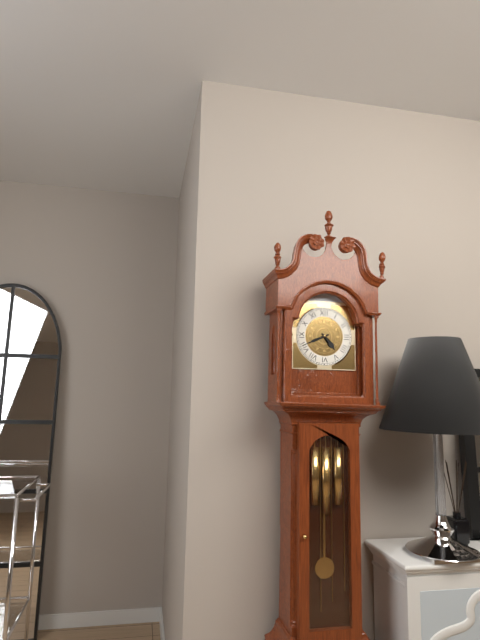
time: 4:41
